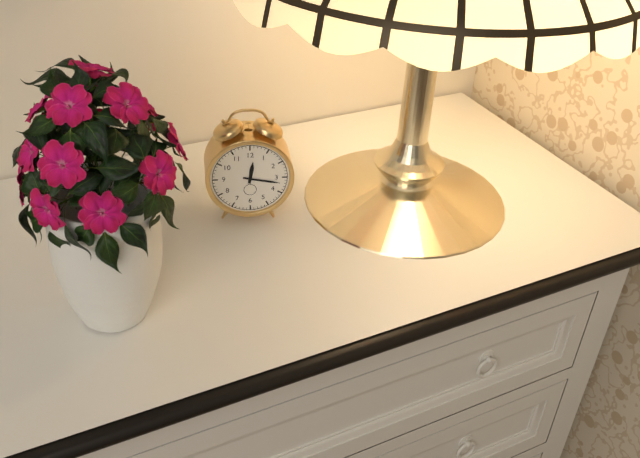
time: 12:17
